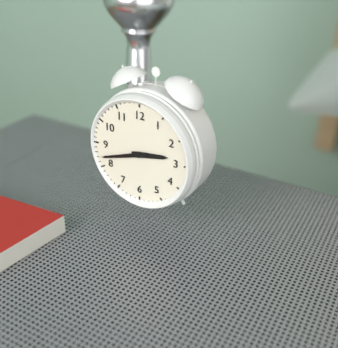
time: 2:42
